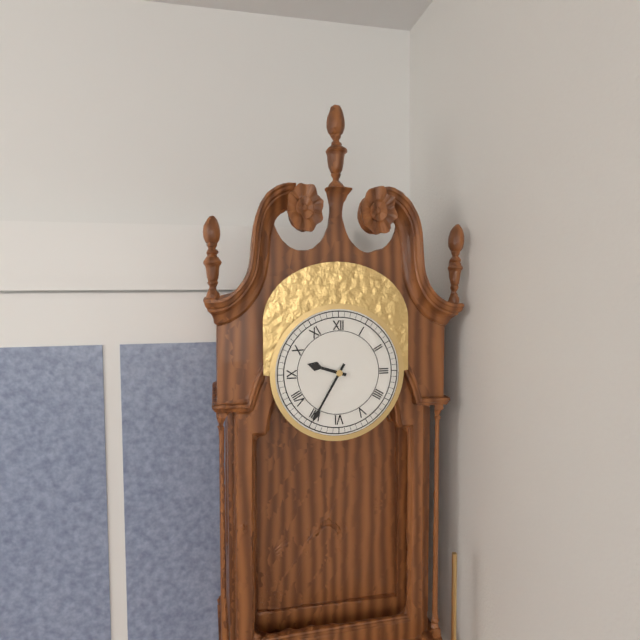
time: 9:35
